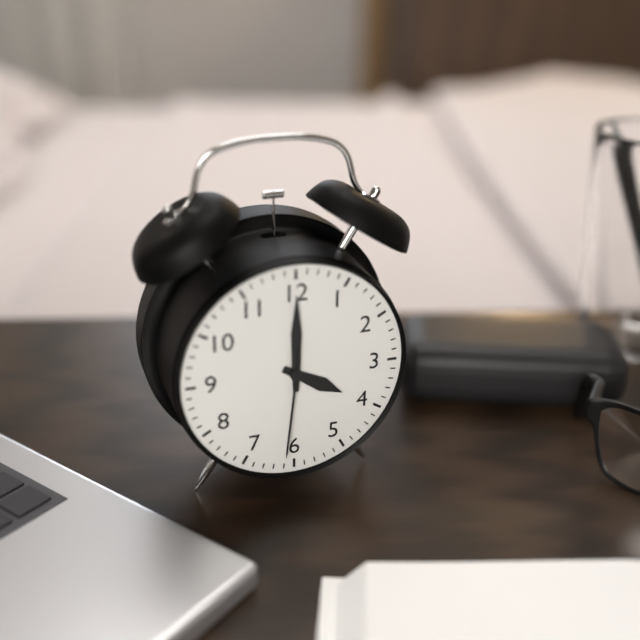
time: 4:00:31
